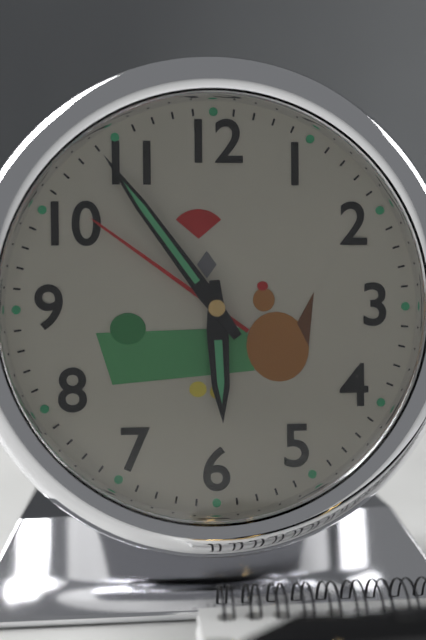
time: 5:54
